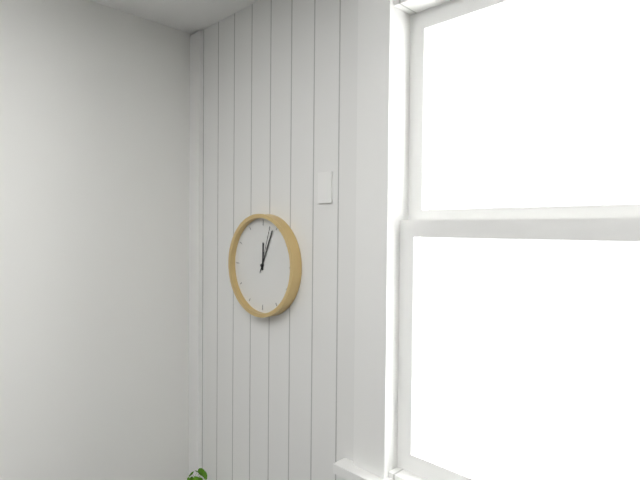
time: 12:04:03
